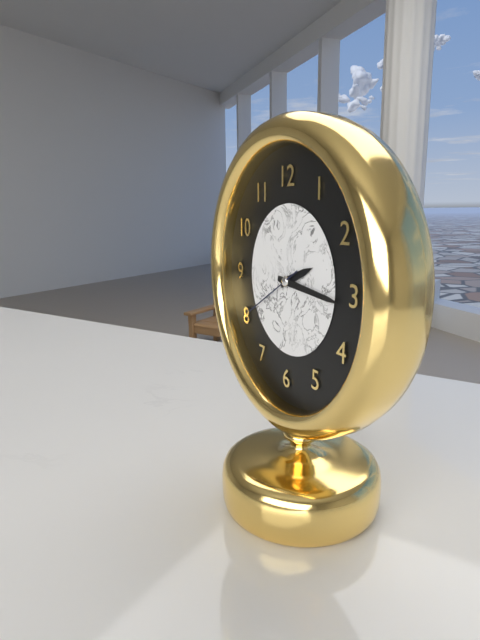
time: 2:16:40
